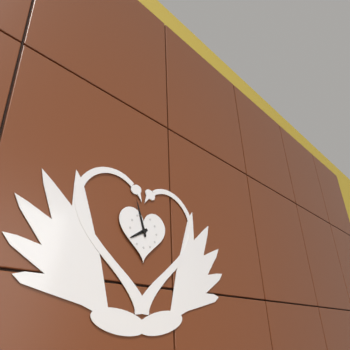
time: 7:57
